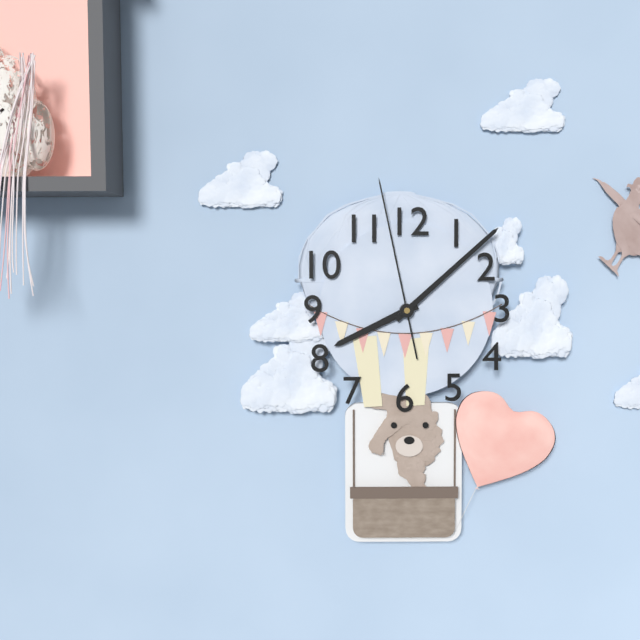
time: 8:08:58
